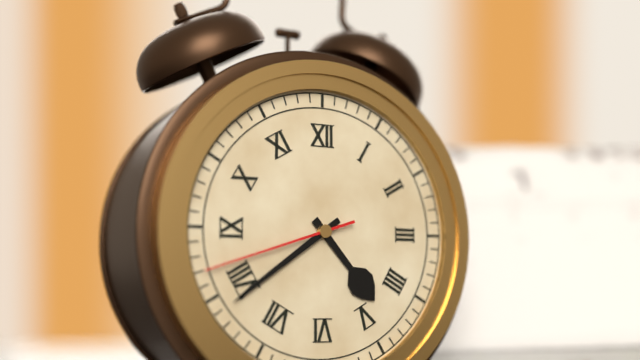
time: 4:39:42
